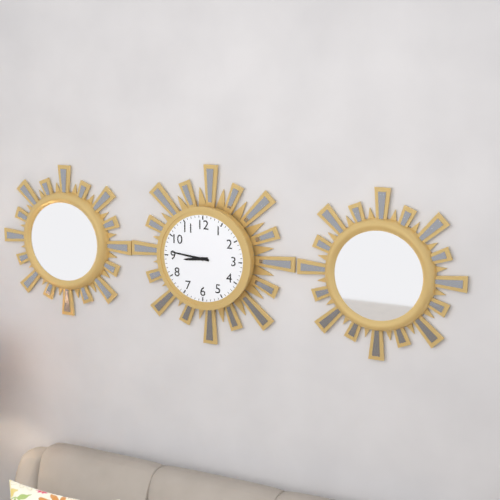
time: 8:46
